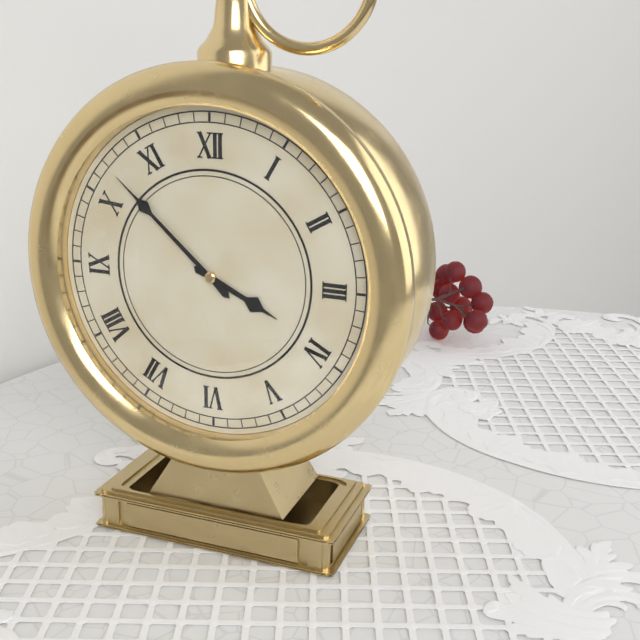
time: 3:52
